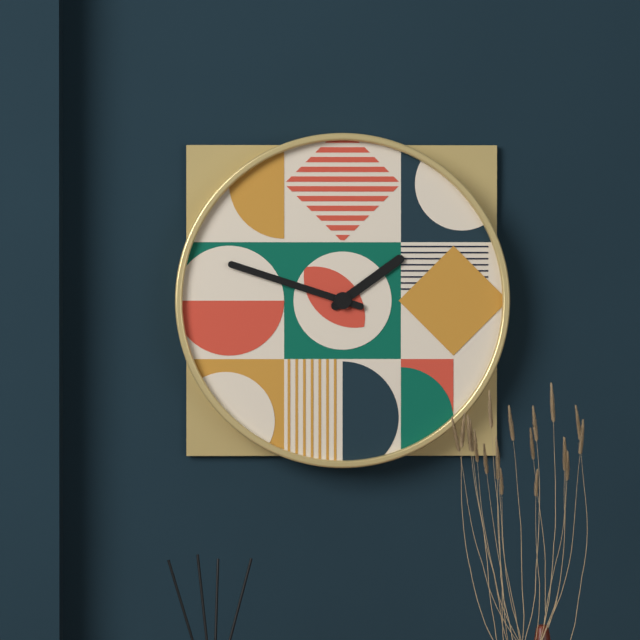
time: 1:48
